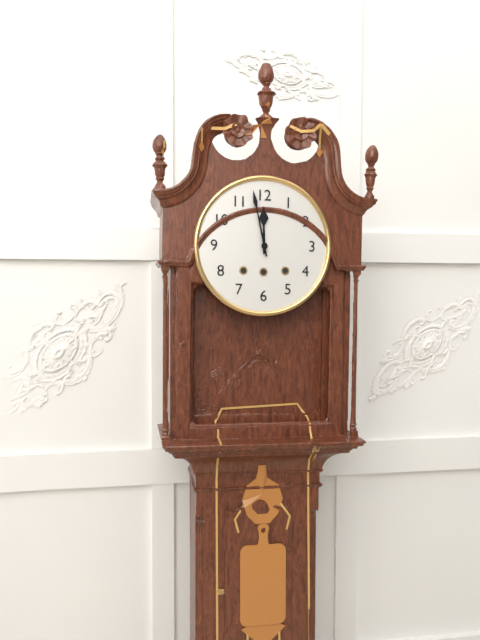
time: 11:58
